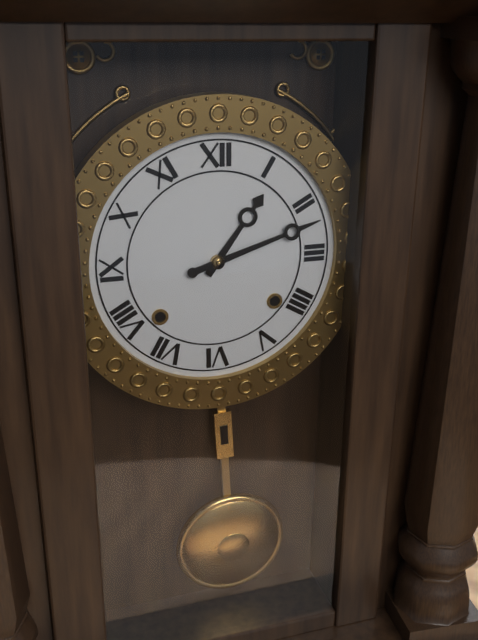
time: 1:12
